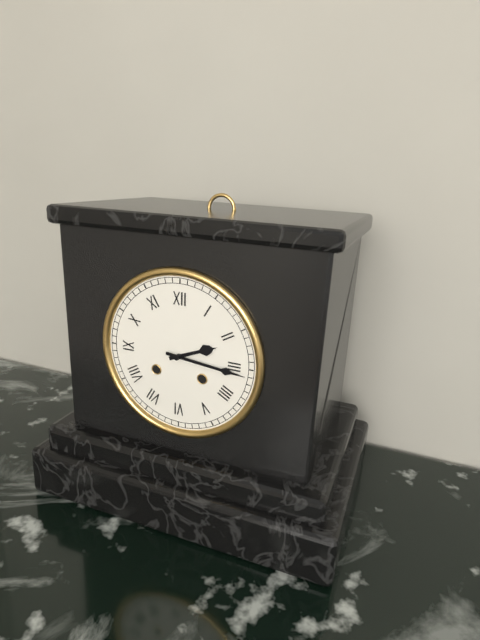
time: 2:16
